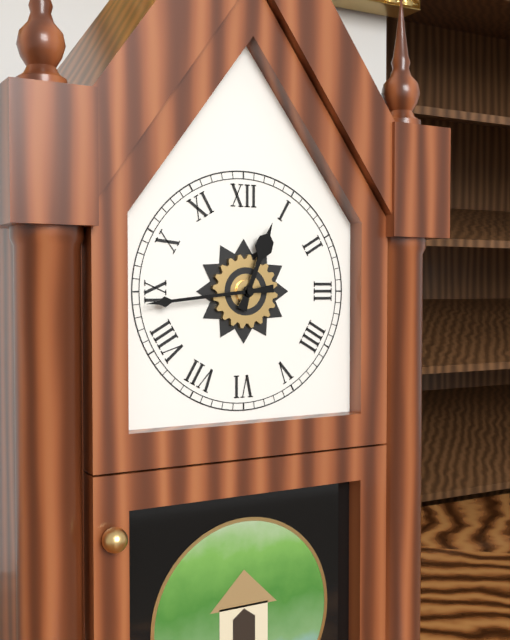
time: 12:44
